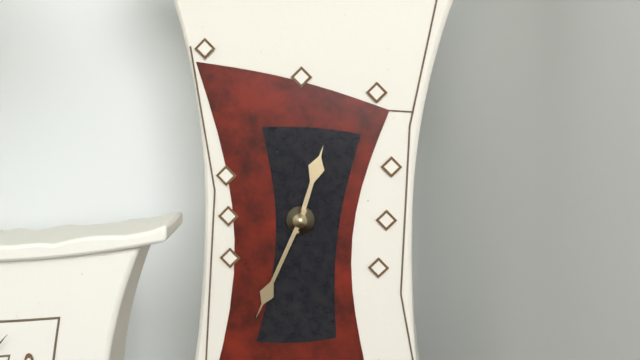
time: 12:34
